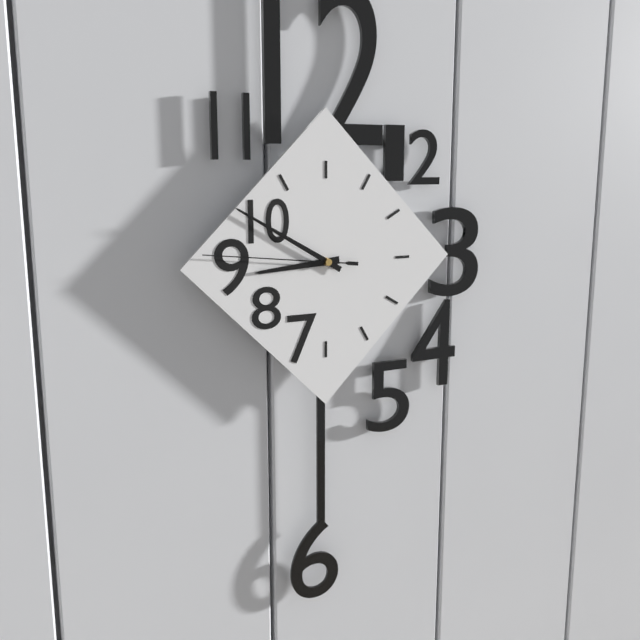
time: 8:50:46
